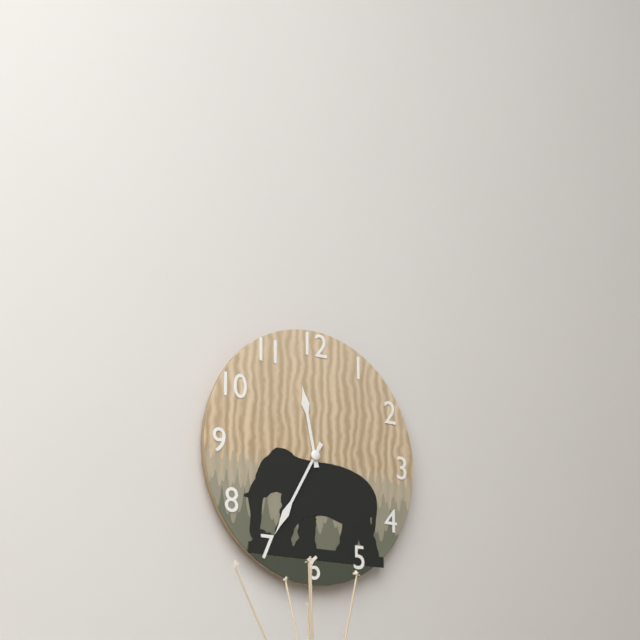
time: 11:35
